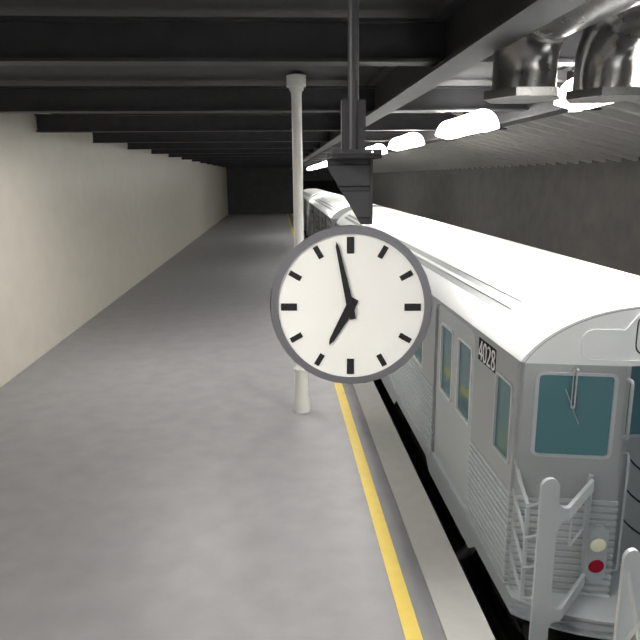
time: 6:58
